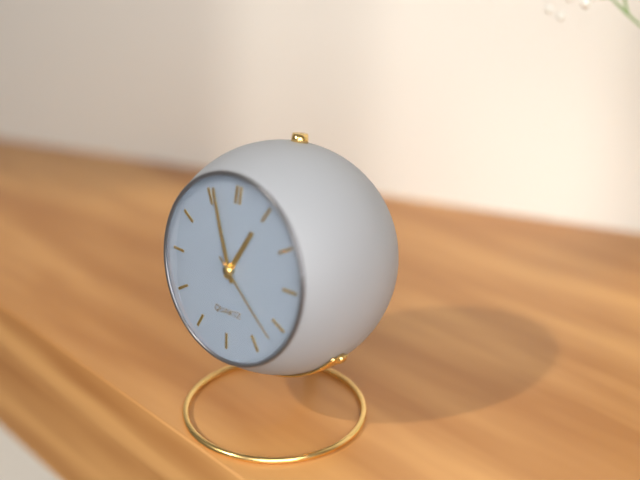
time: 12:56:22
